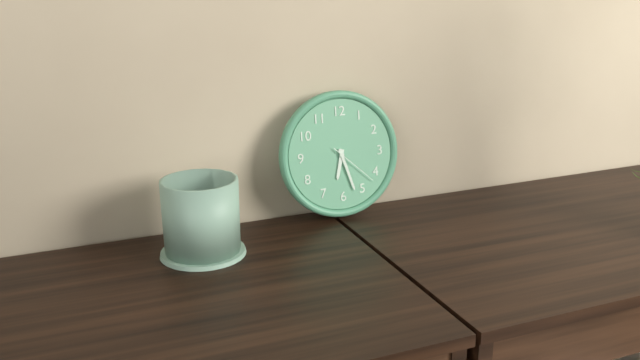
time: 6:27:22
